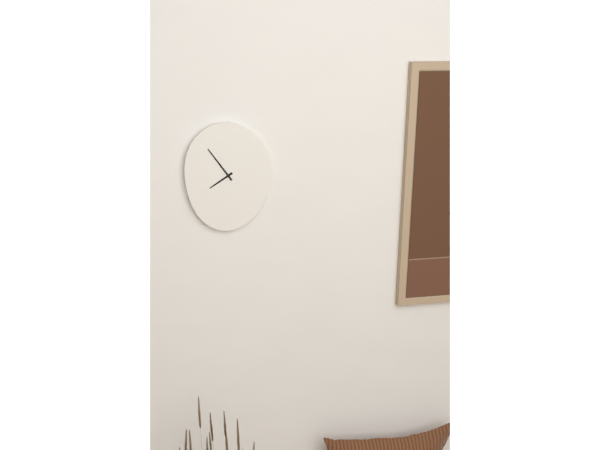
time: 7:54
